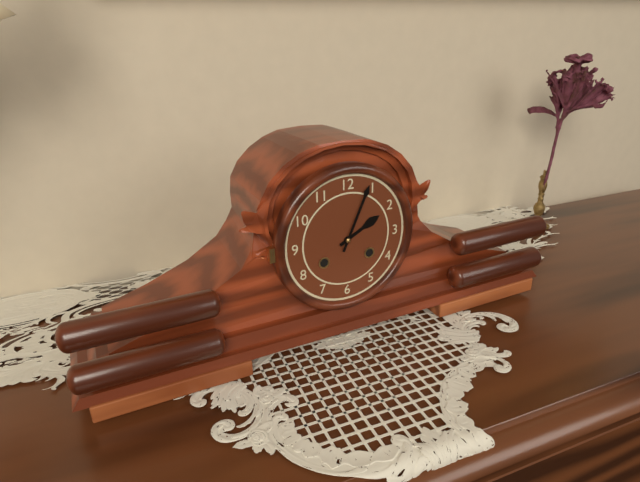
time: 2:04
